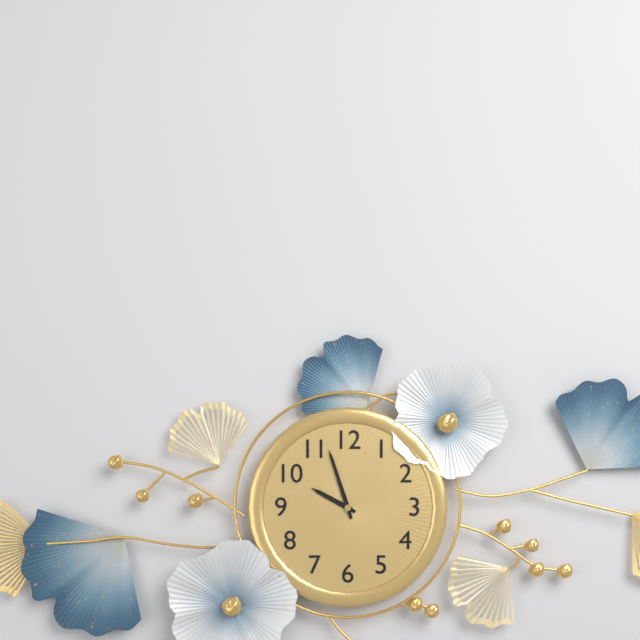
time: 9:57
